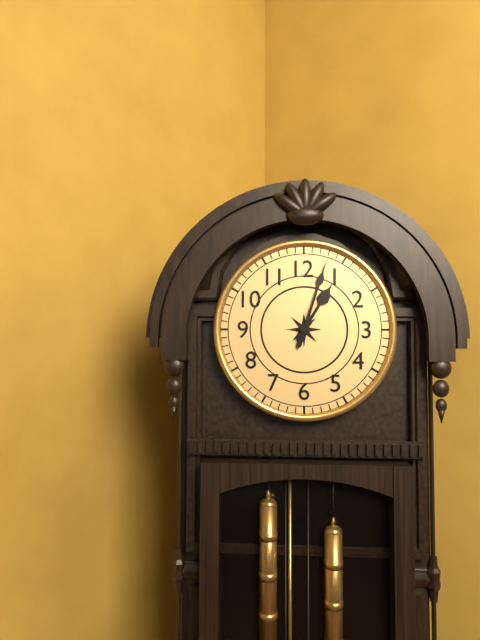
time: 1:03
